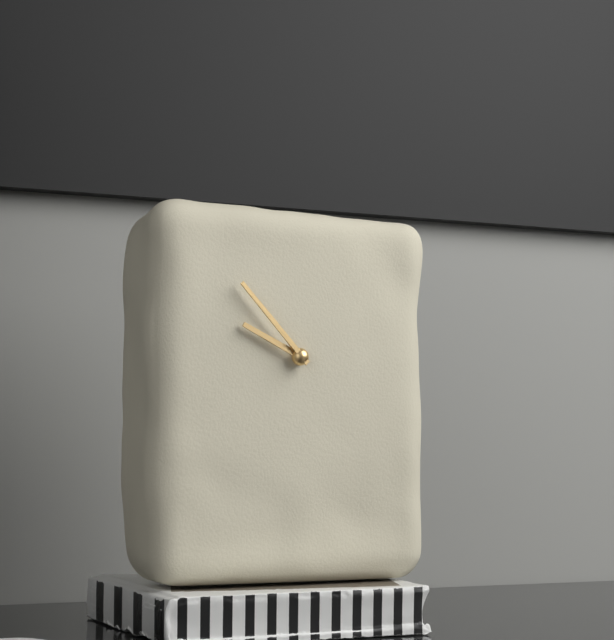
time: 9:53
